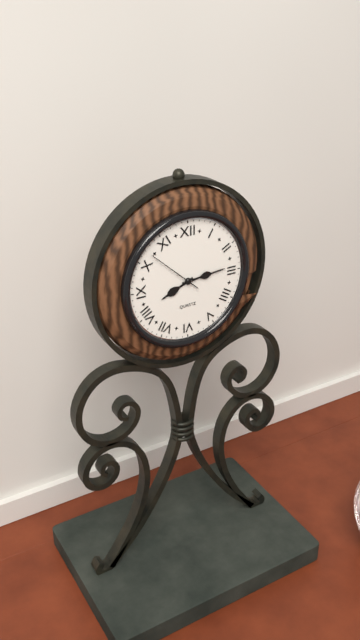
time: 8:14:52
